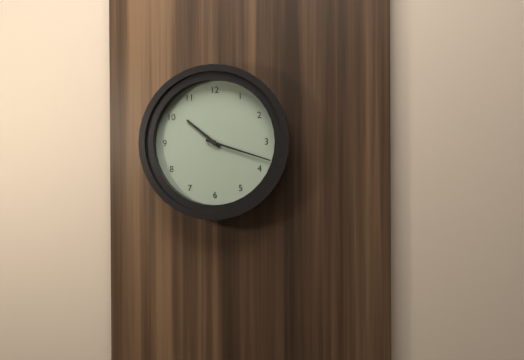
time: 10:18
